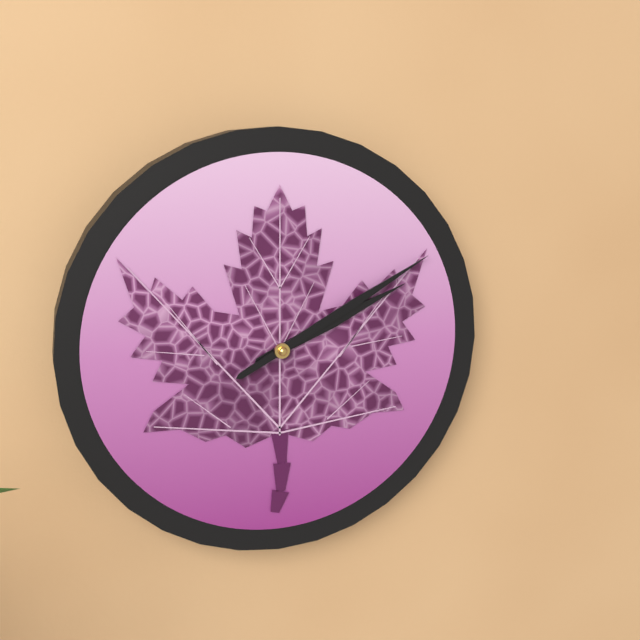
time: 2:10
